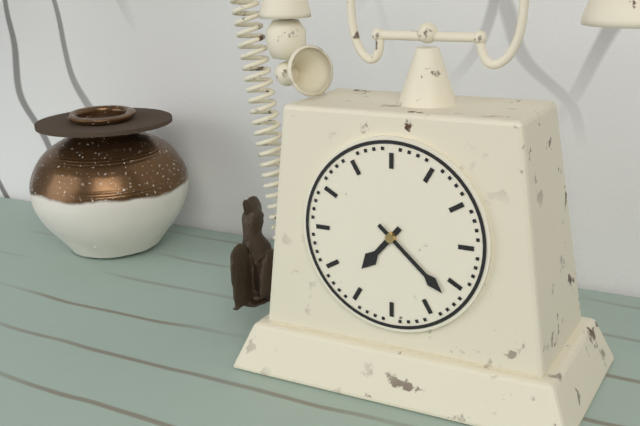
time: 7:22
